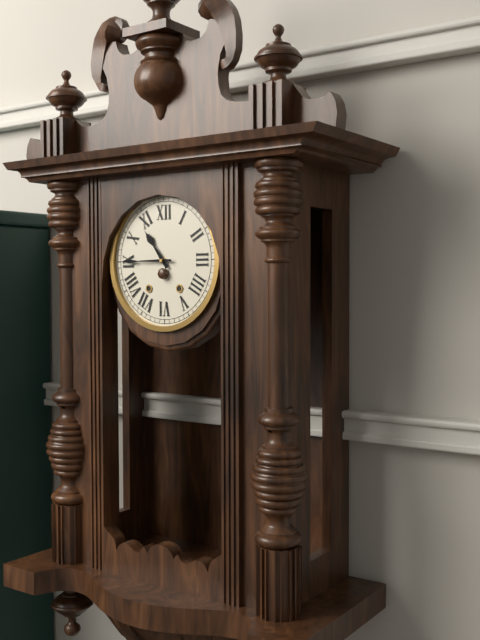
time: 10:45
